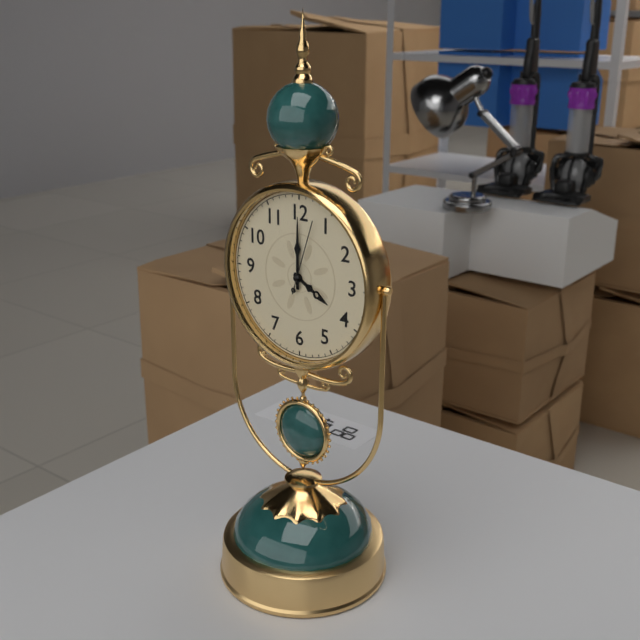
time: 4:00:03
